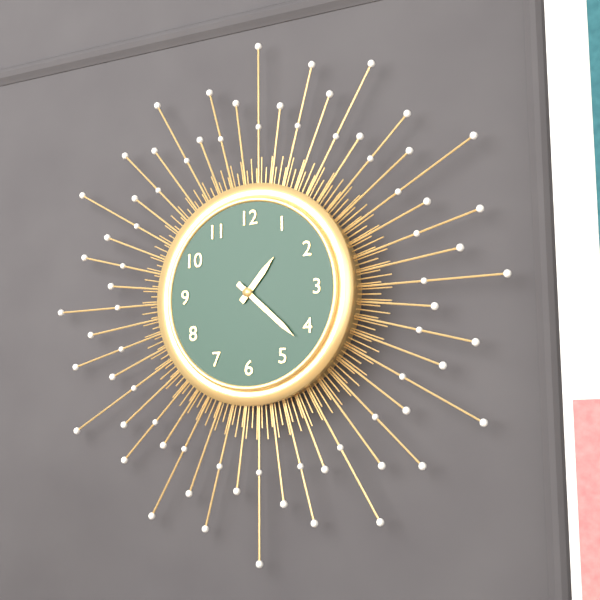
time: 1:22
